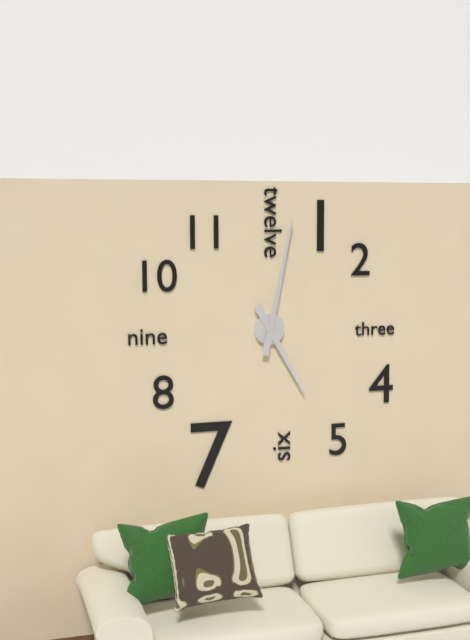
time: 5:02
